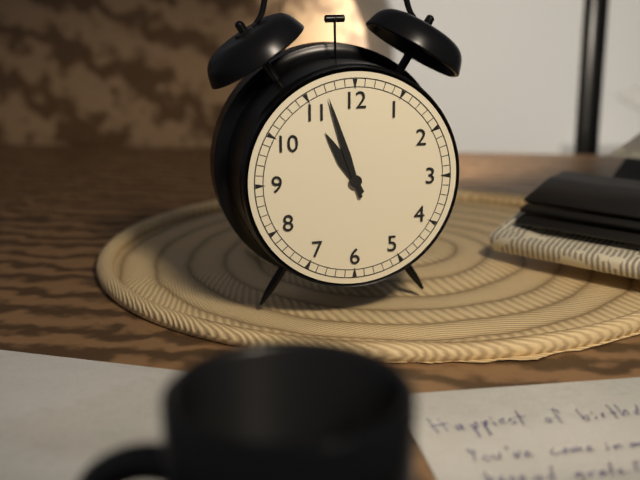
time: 10:57
